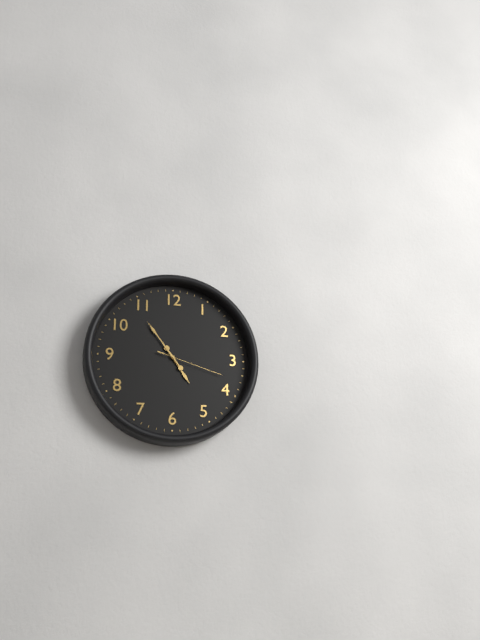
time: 4:54:18
